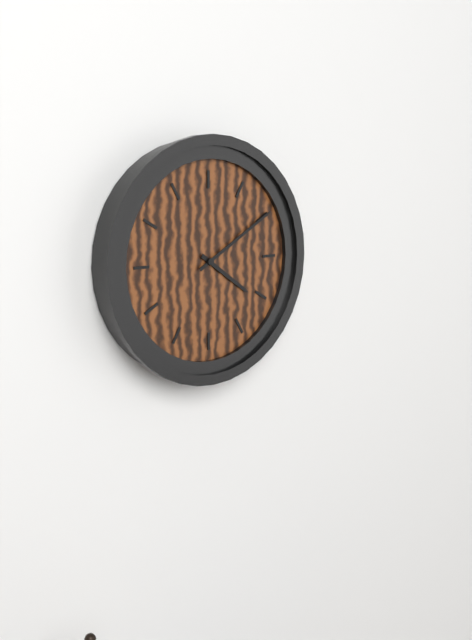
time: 4:10
